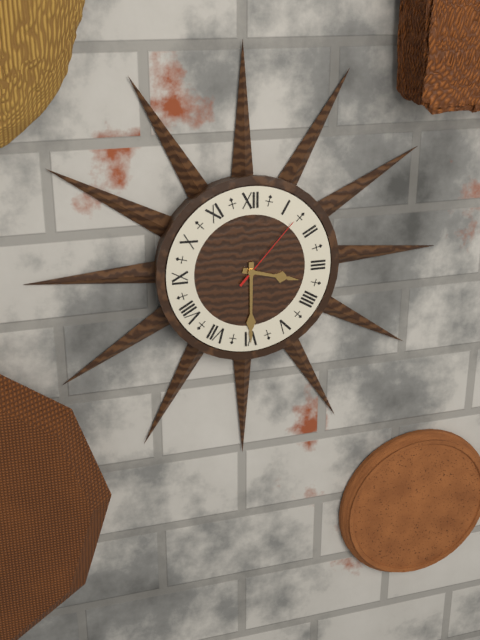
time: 3:30:07
